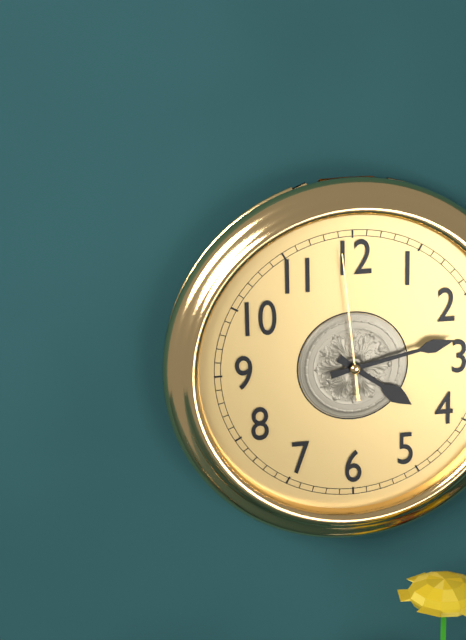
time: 4:13:59
